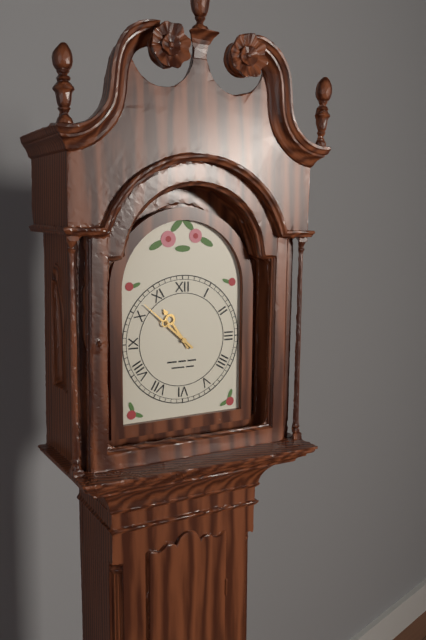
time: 10:52
